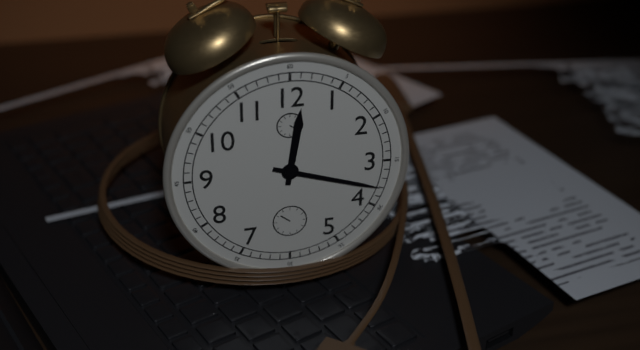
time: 12:18
